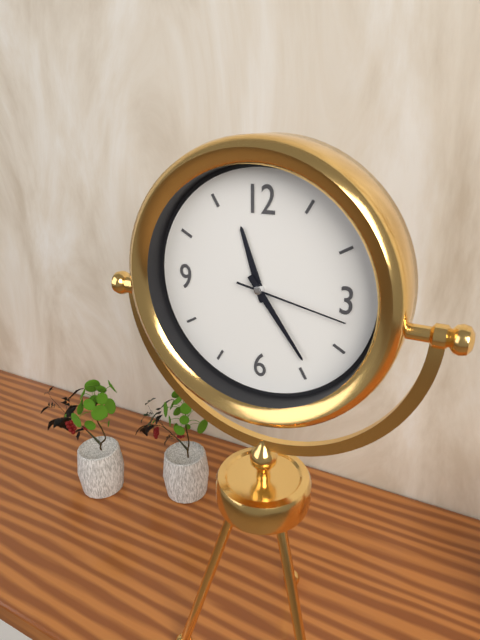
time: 11:24:17
